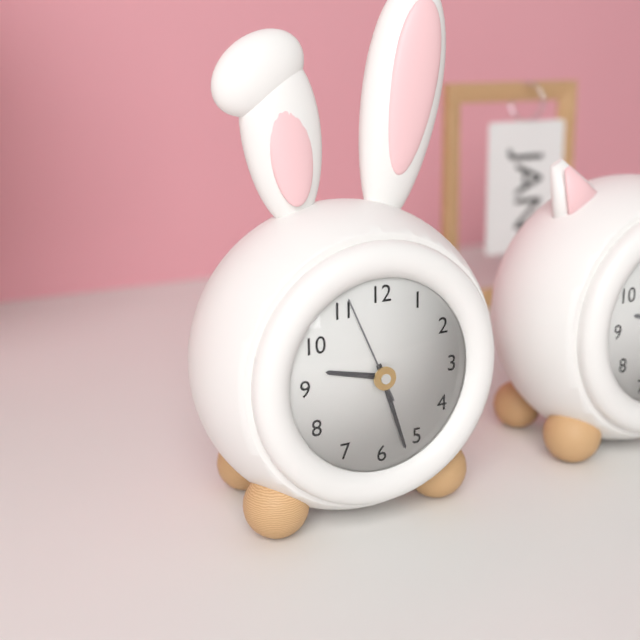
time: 9:27:56
